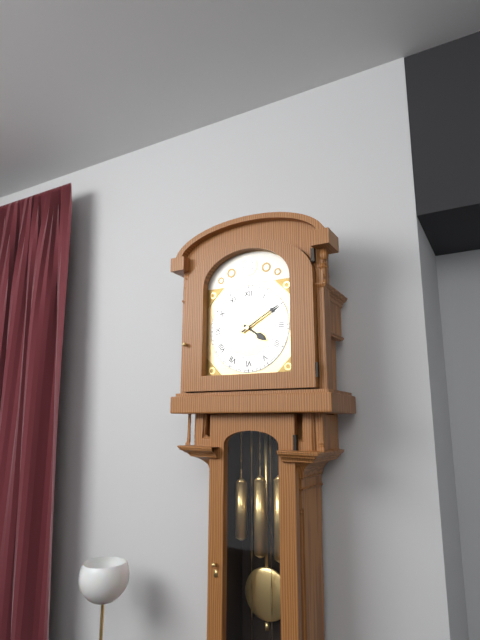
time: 4:10
